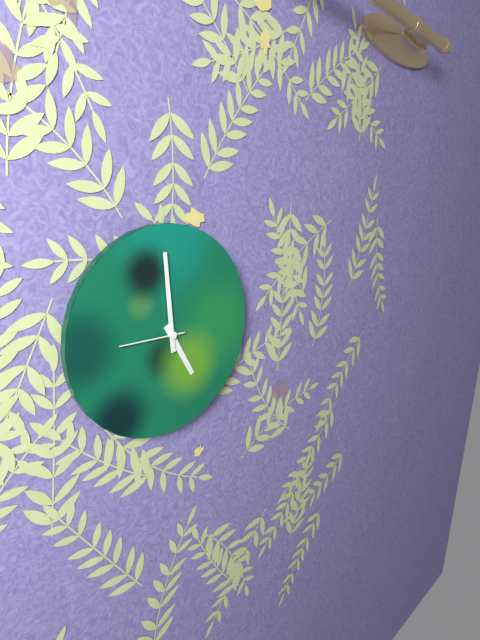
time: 4:59:45
